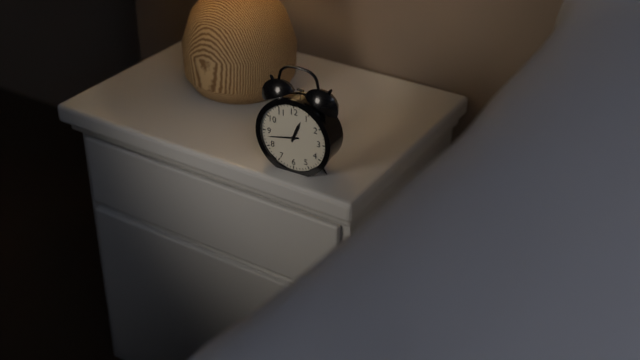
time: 12:43
